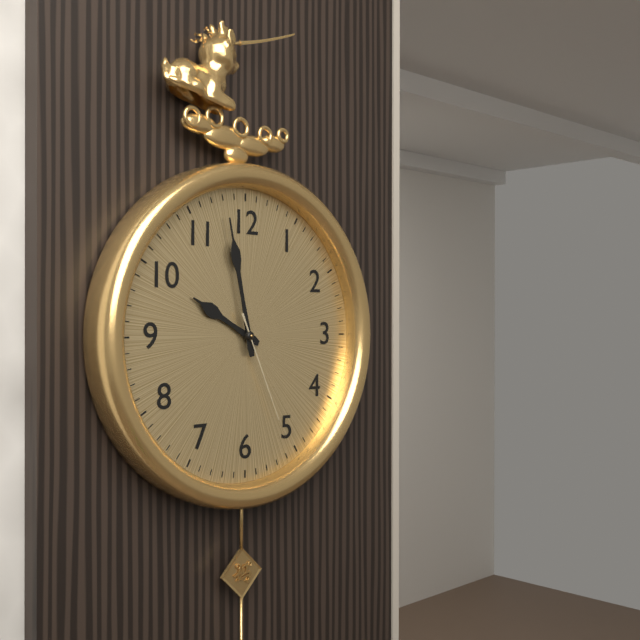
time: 9:58:26
